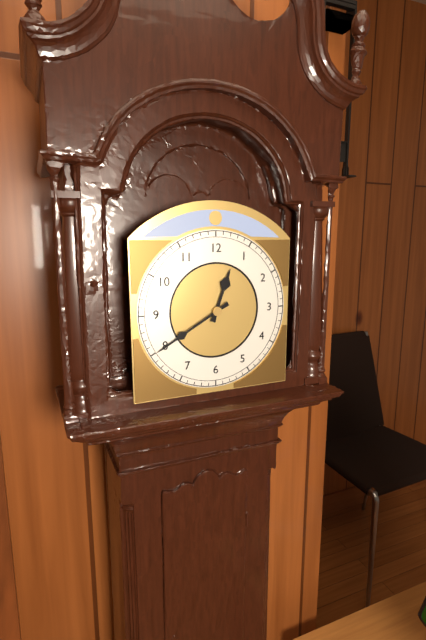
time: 12:40
